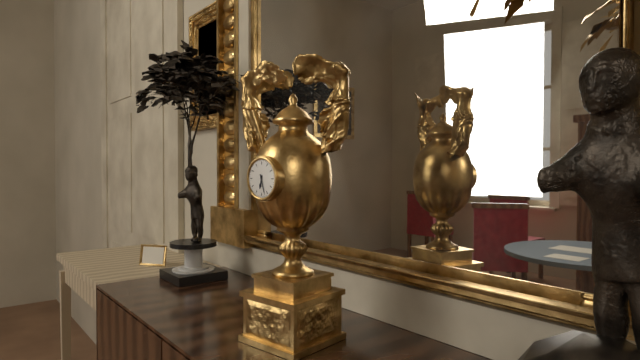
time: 6:27
